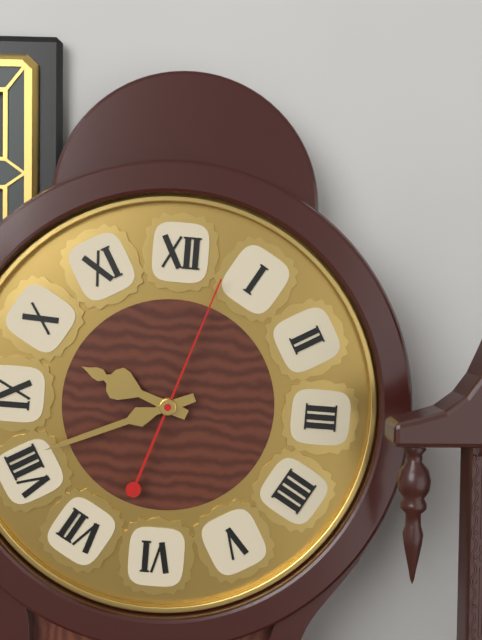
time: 9:41:03
